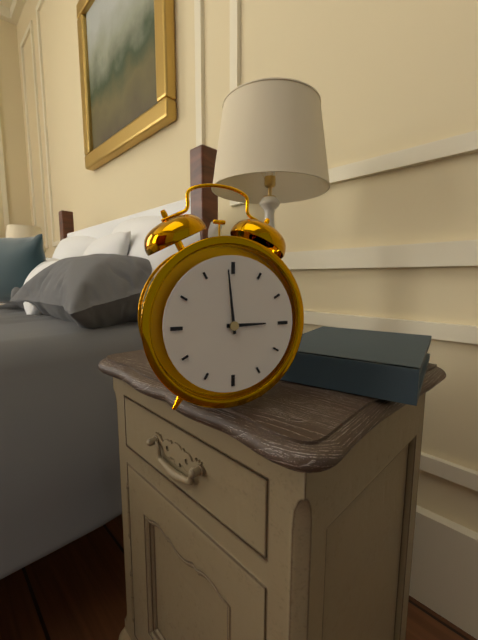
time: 2:59
